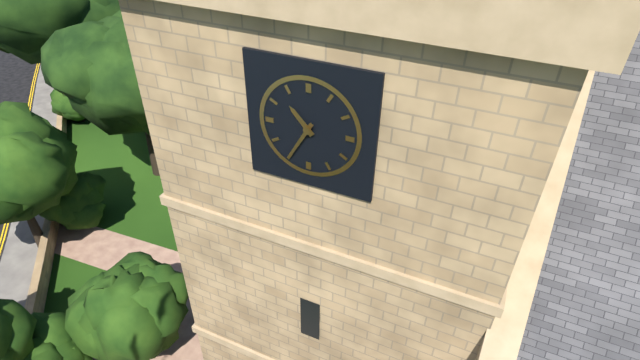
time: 10:35
